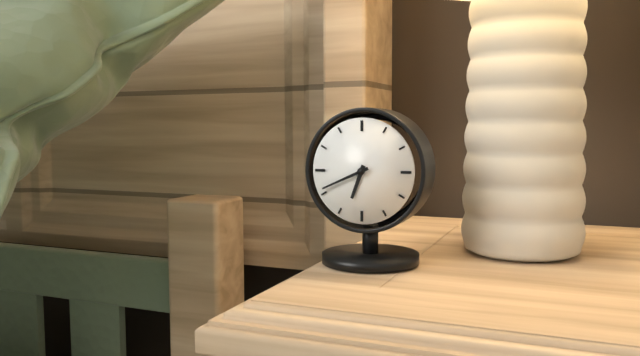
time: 6:41
